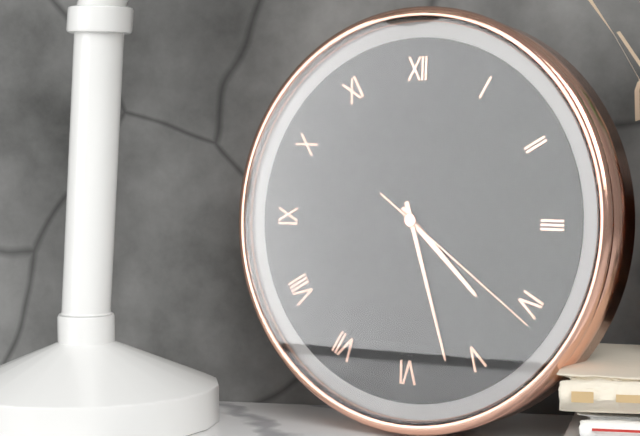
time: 4:27:21
